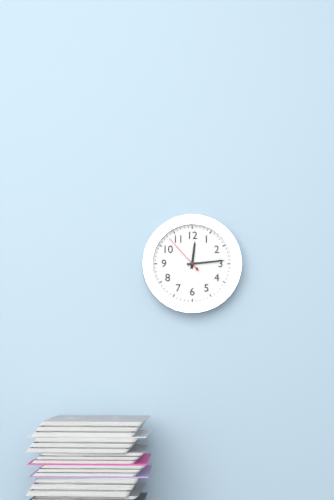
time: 12:14
